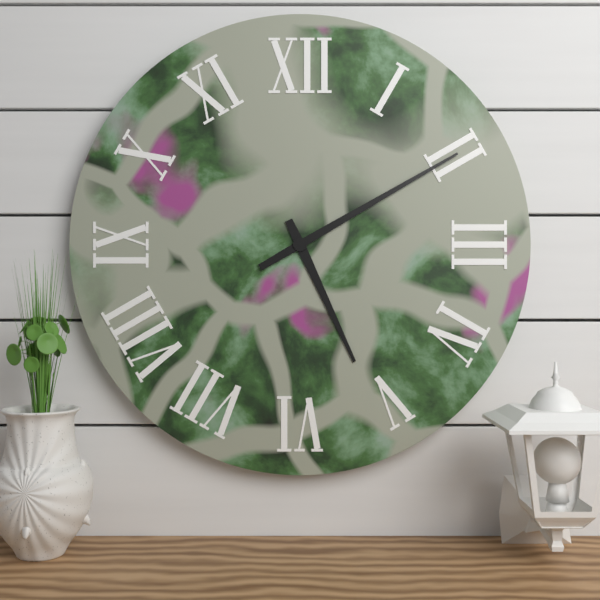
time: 5:10
